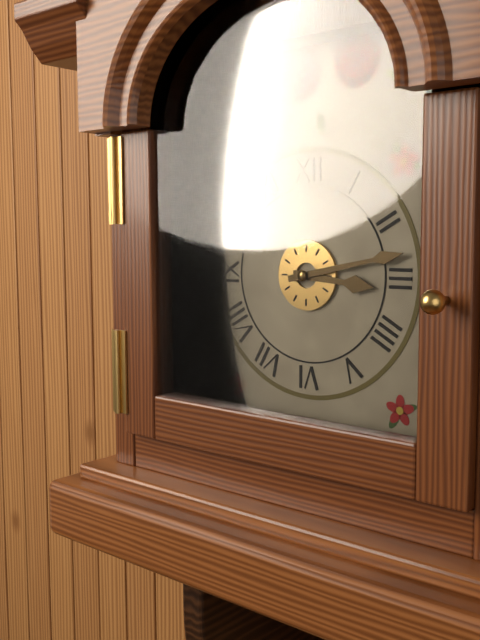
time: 3:13
